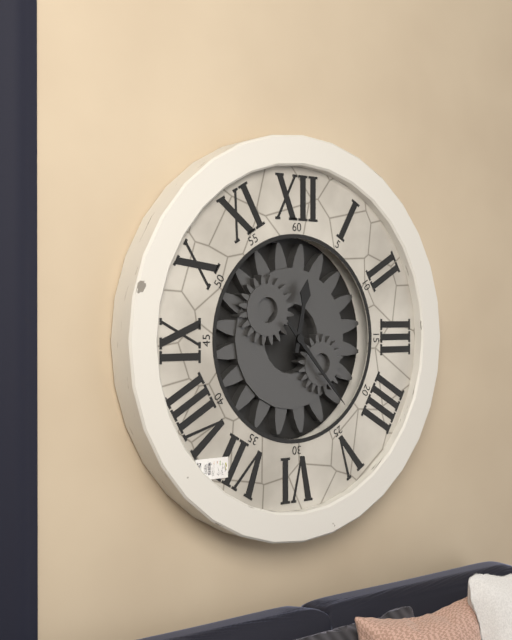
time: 12:23
